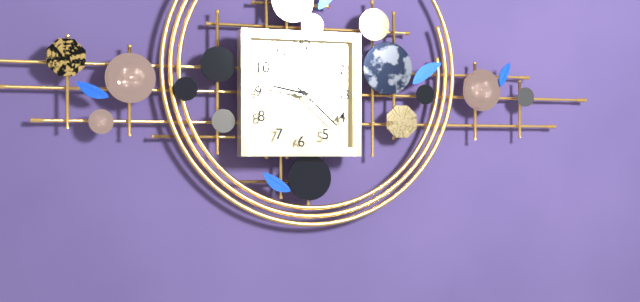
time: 9:22:43
